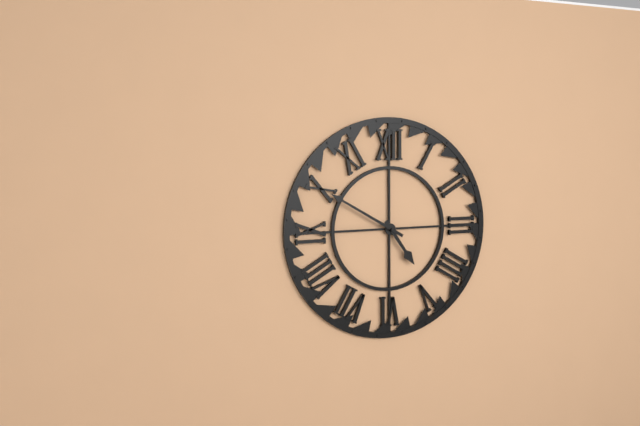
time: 4:50
